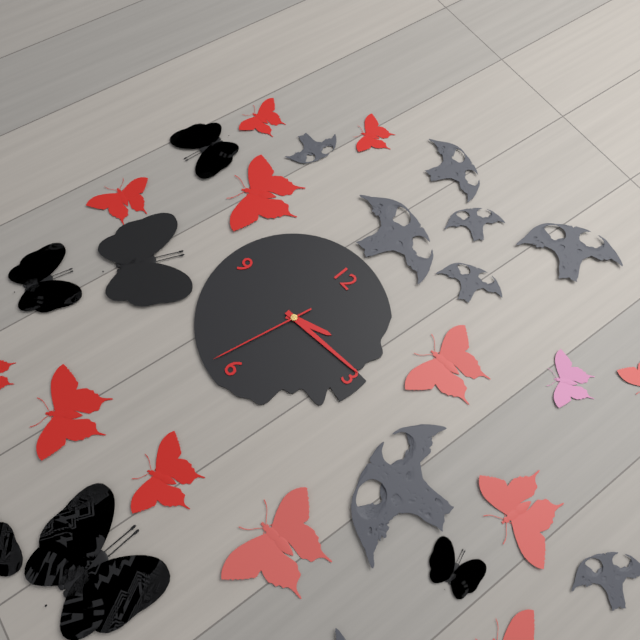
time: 2:14:32
